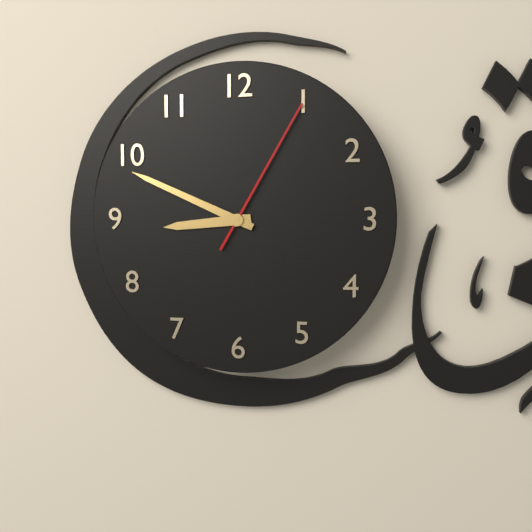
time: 8:49:05
